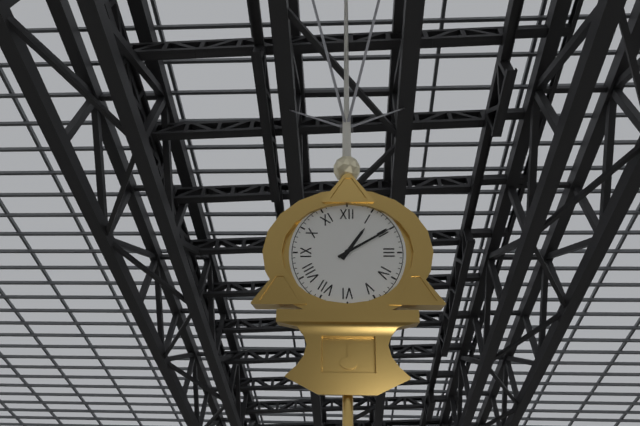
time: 1:10
